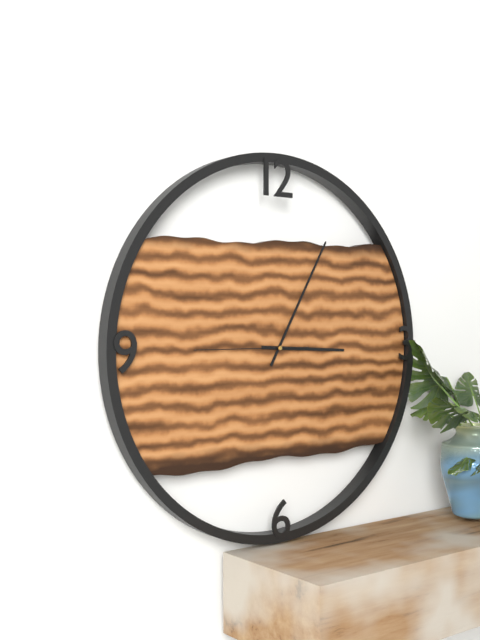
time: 3:05:45
